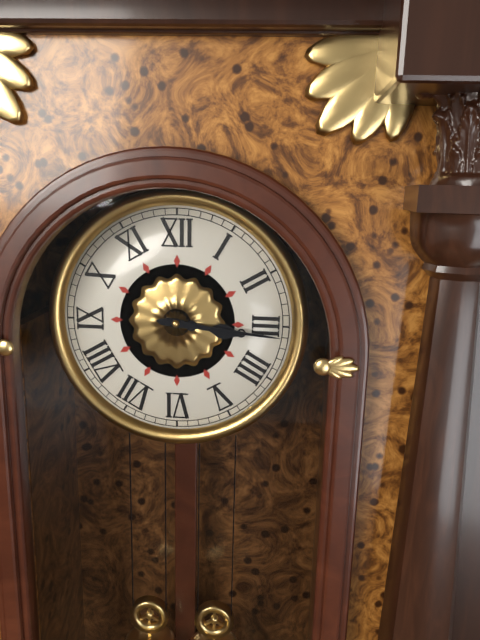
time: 3:16
